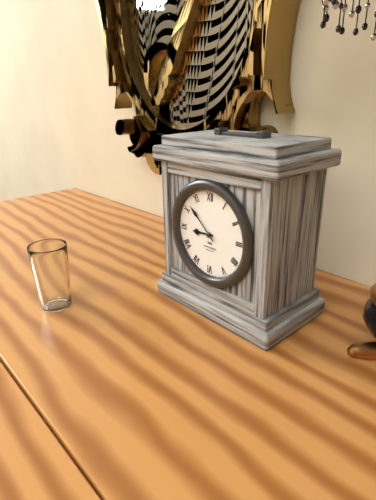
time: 8:52
